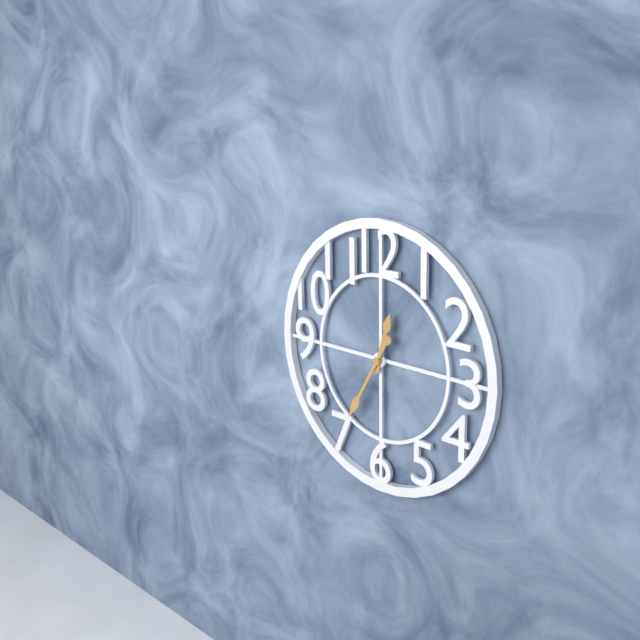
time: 12:35
